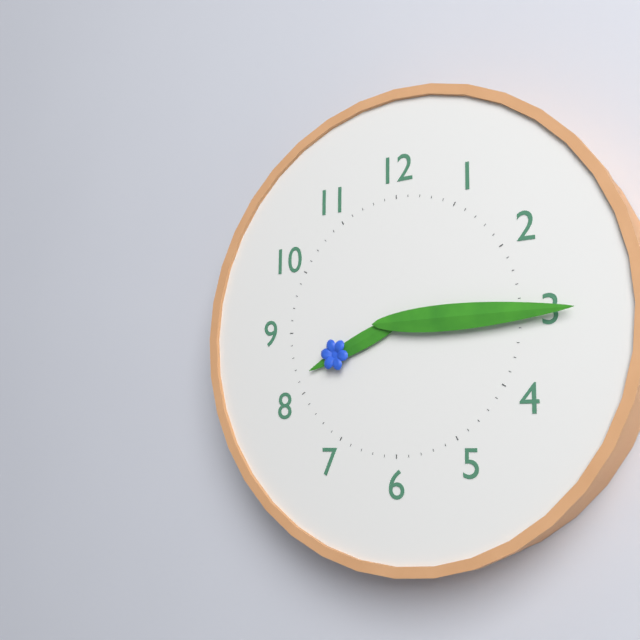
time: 8:15
